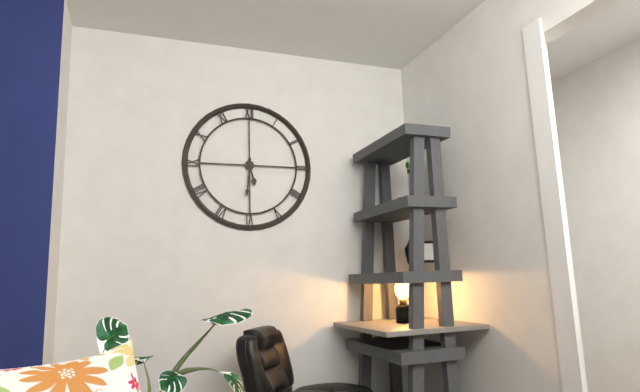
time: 5:31
